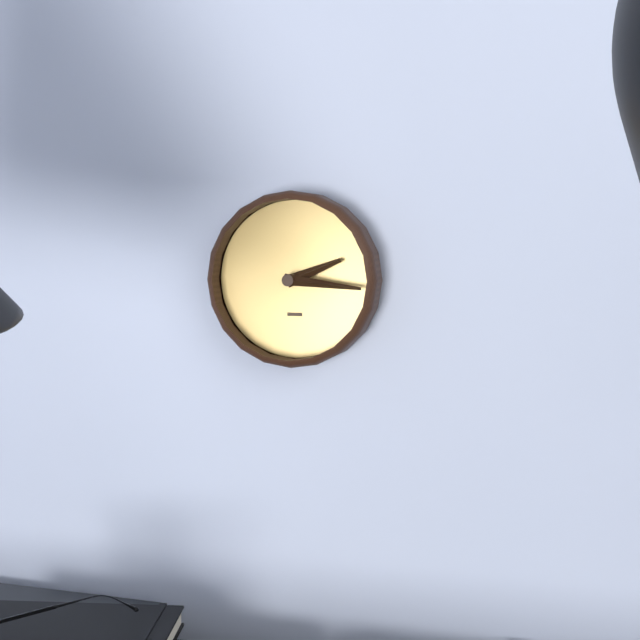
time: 2:16
